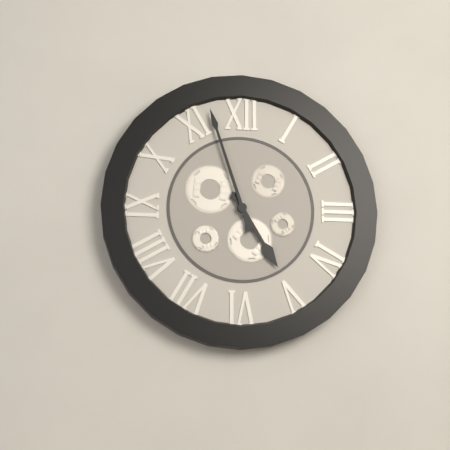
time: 4:57
